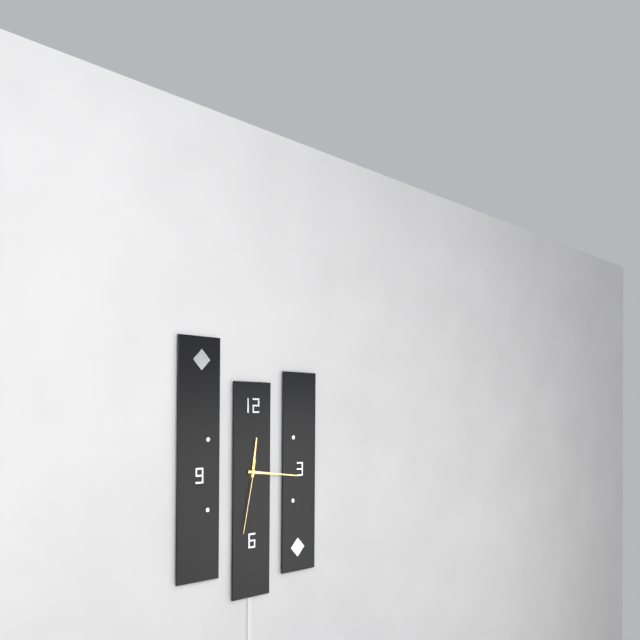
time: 12:16:32
